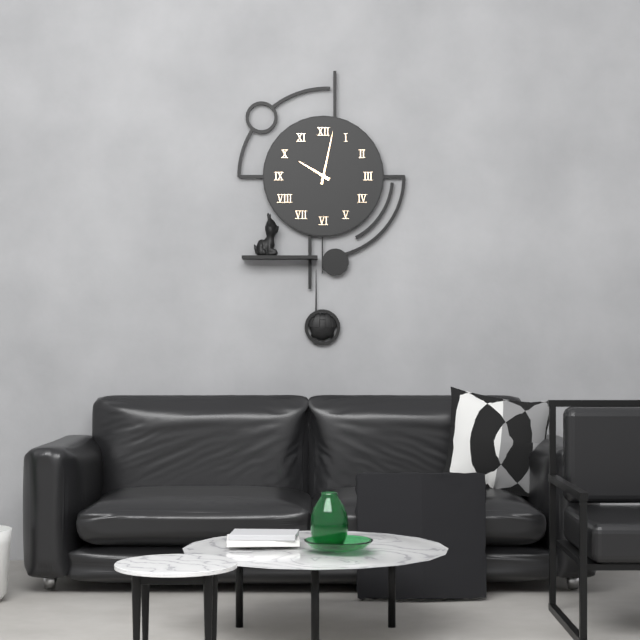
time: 10:02
